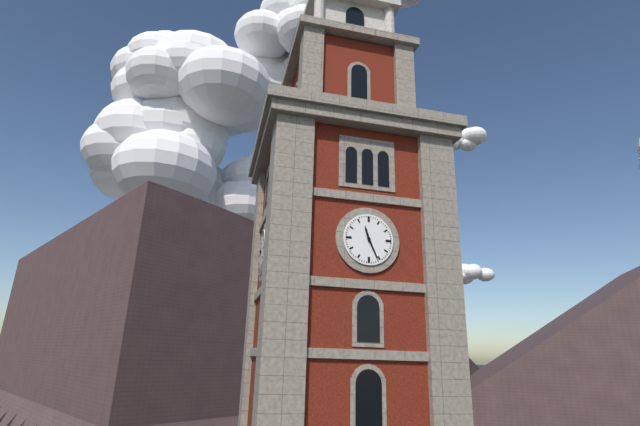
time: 11:26
